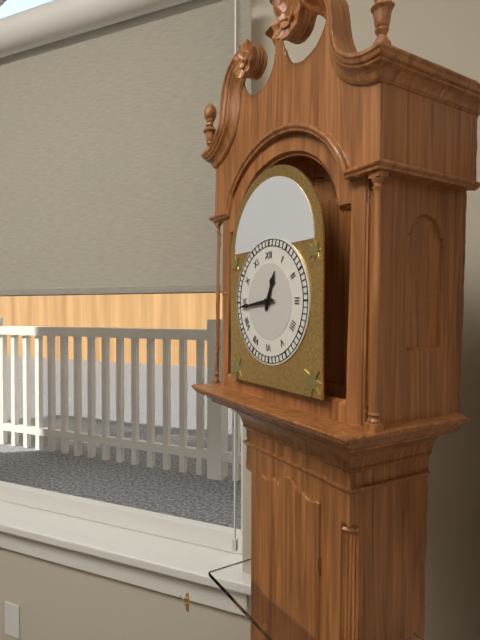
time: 12:44
